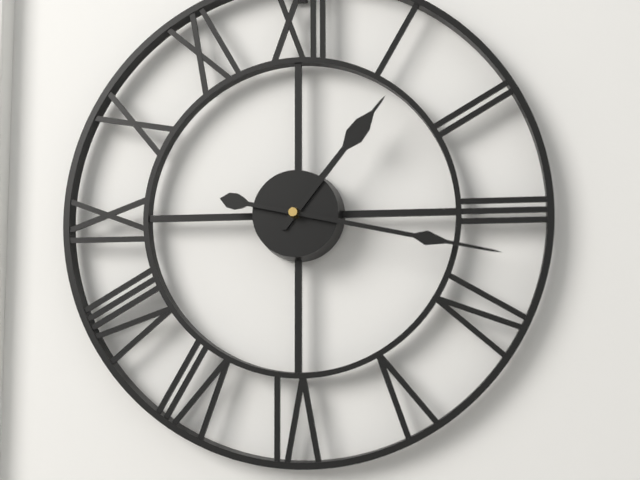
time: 1:17
